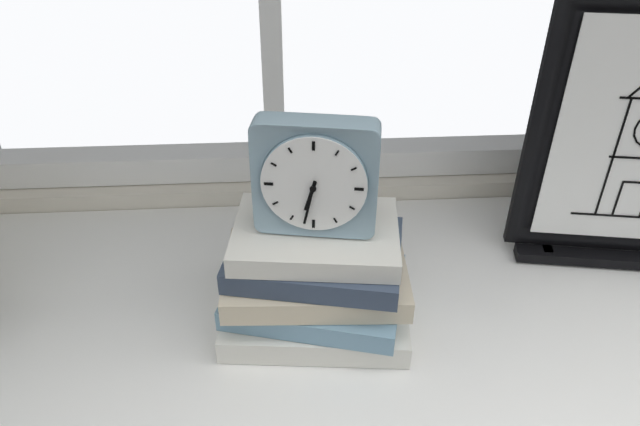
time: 6:32
